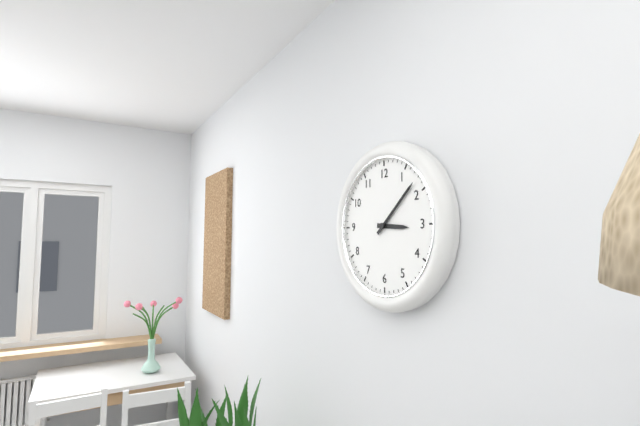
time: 3:08
